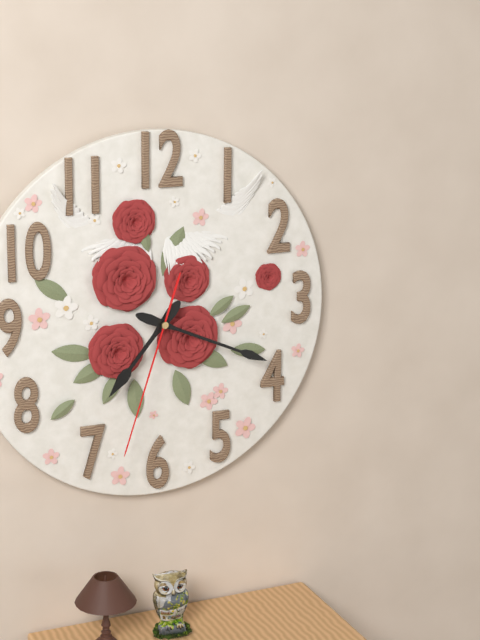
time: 7:19:33
